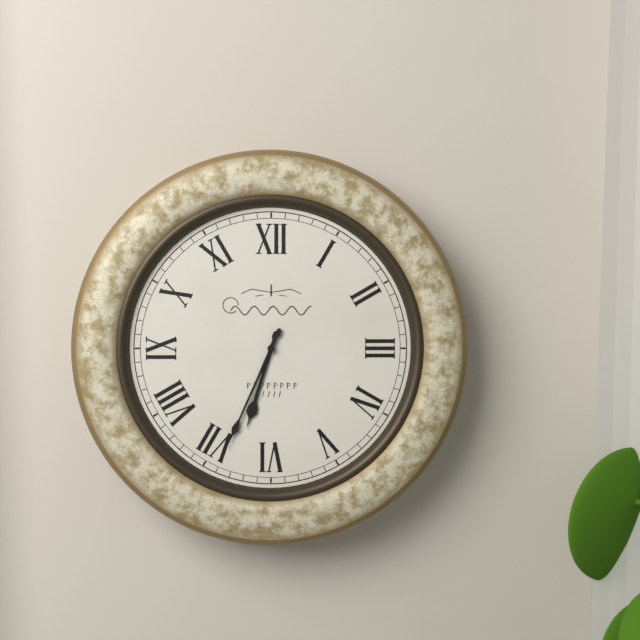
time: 6:34
